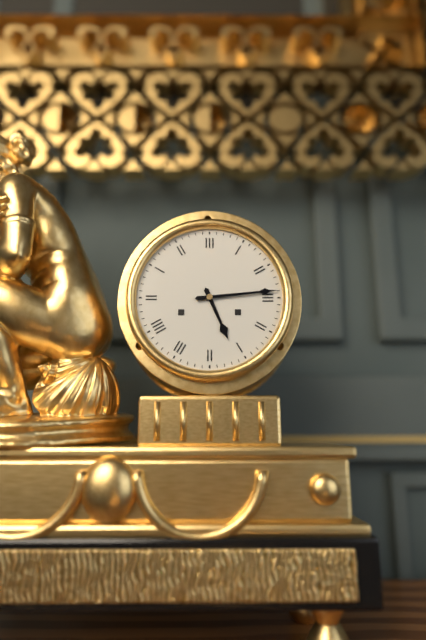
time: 5:14
